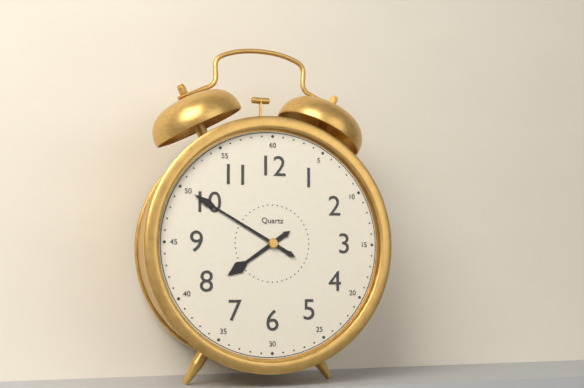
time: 7:50
